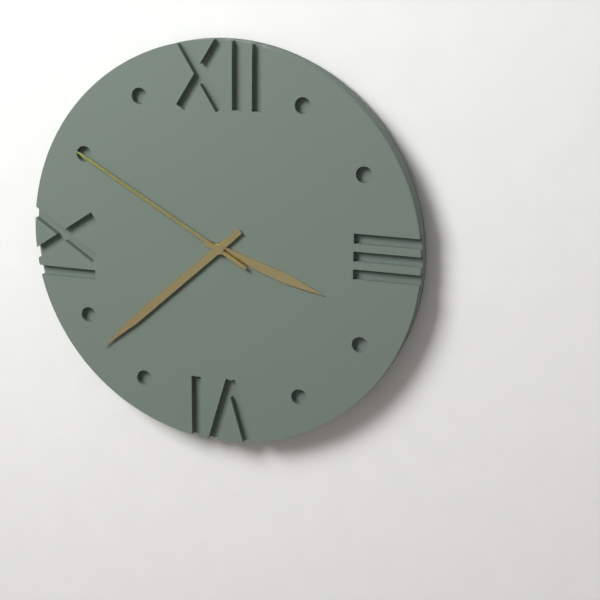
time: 3:38:50
